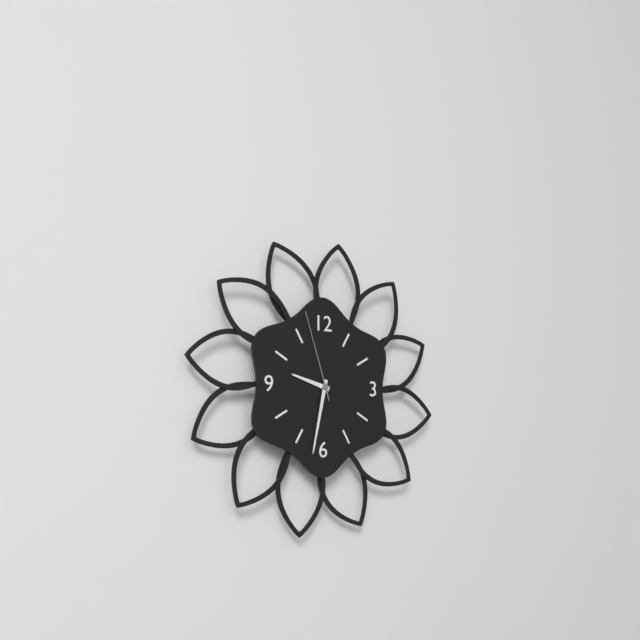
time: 9:32:57
